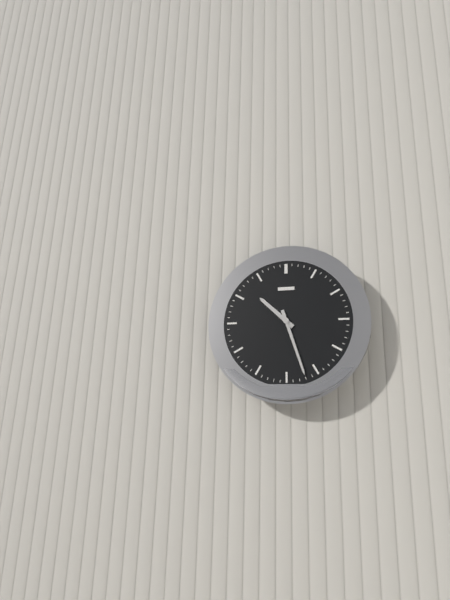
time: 10:27
